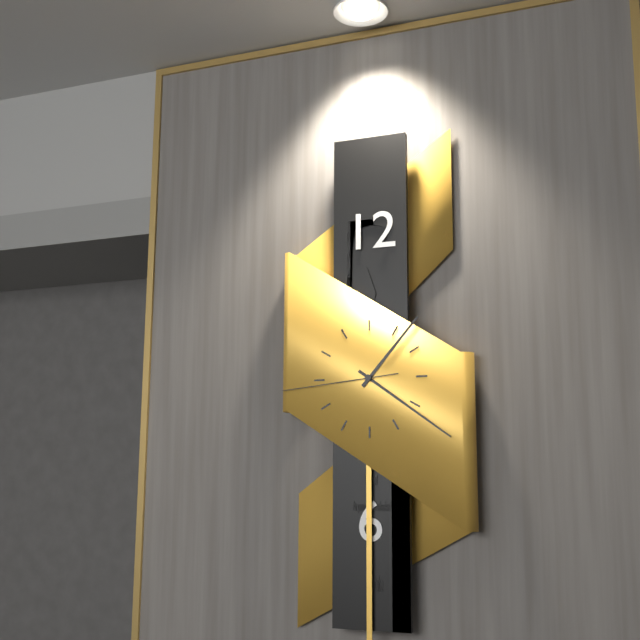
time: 1:21:44
